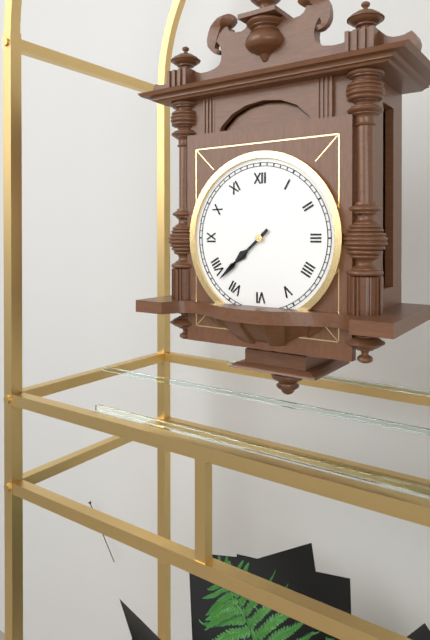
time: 7:38
